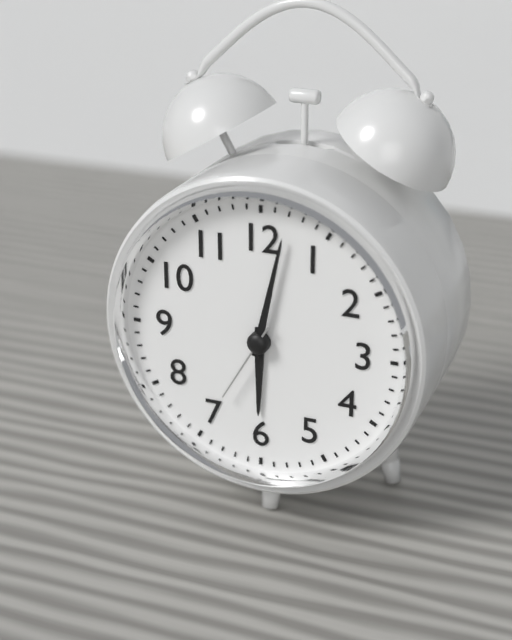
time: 6:02:35
